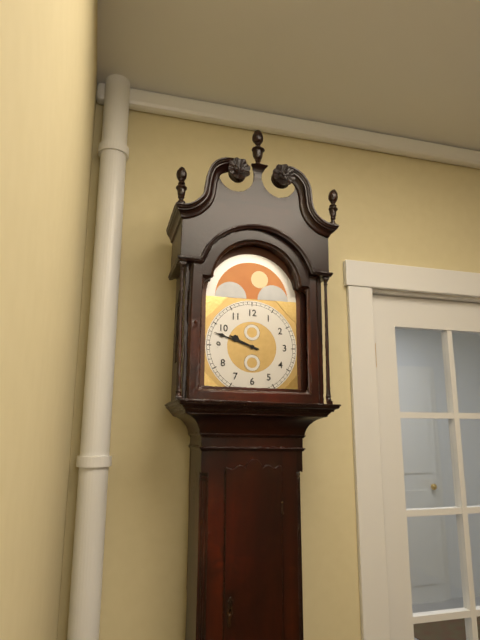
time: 9:48
